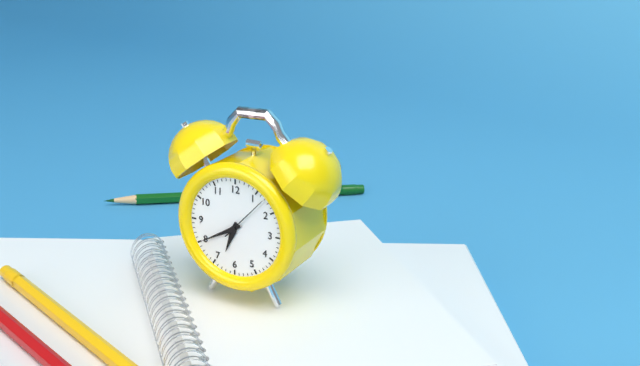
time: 6:40:07
